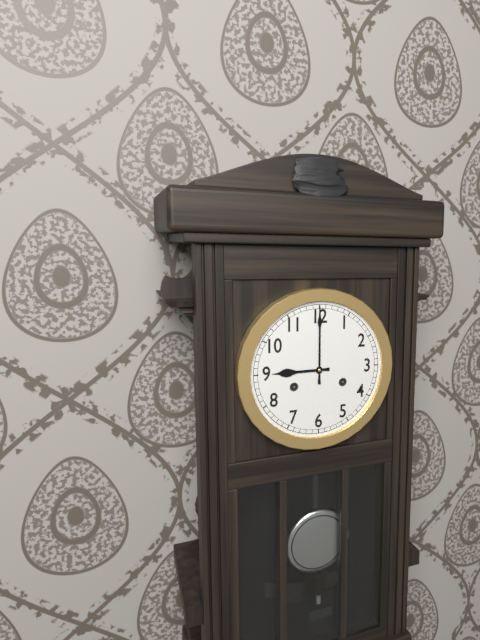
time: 9:00
